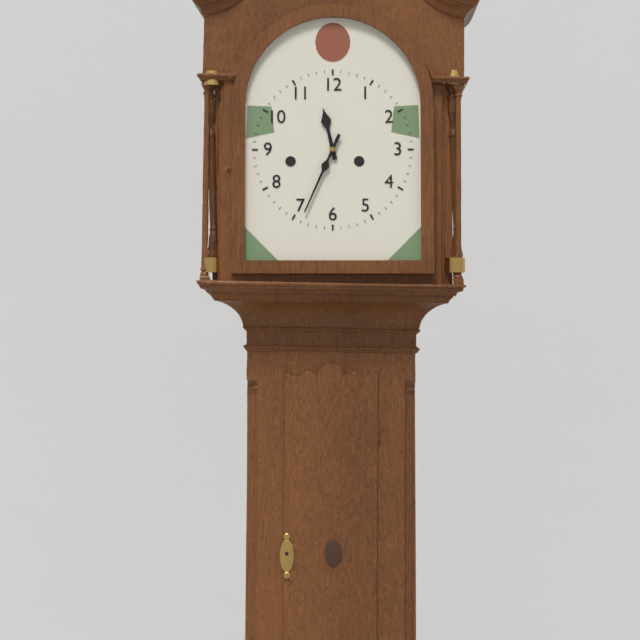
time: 11:34
